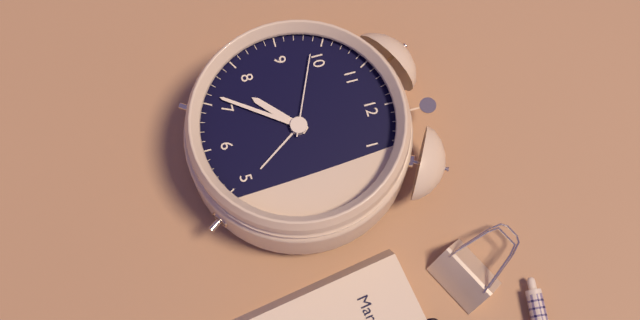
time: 7:36:49
